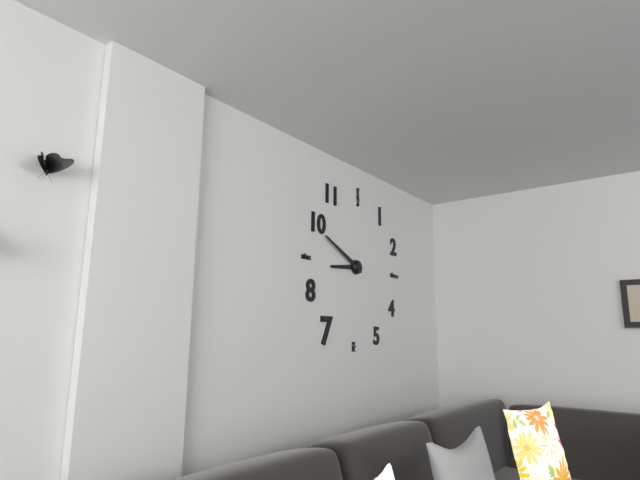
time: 8:49
